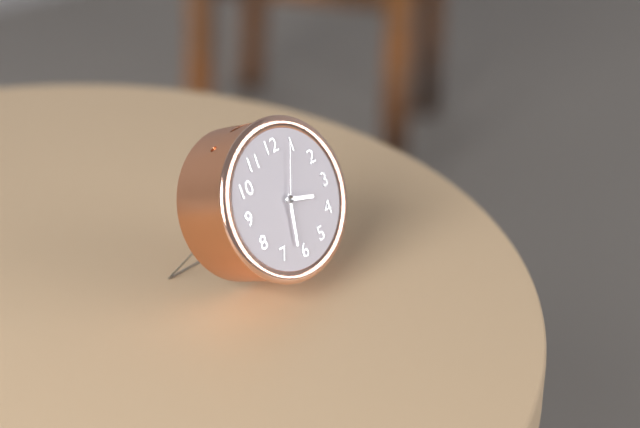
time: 3:32:04
